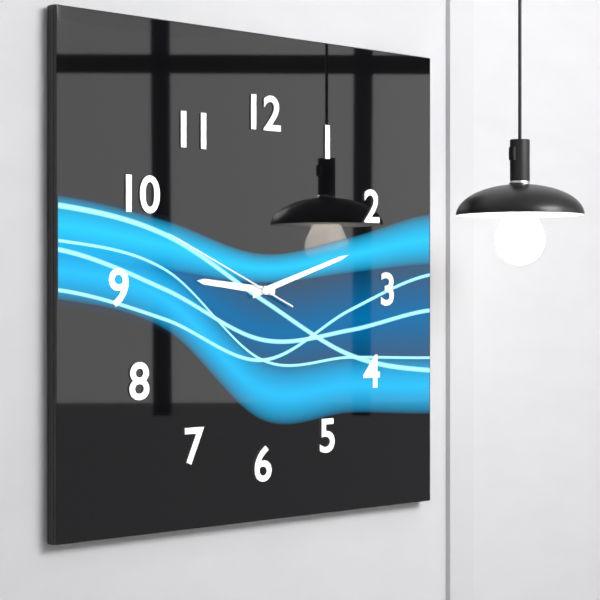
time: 9:12:49
